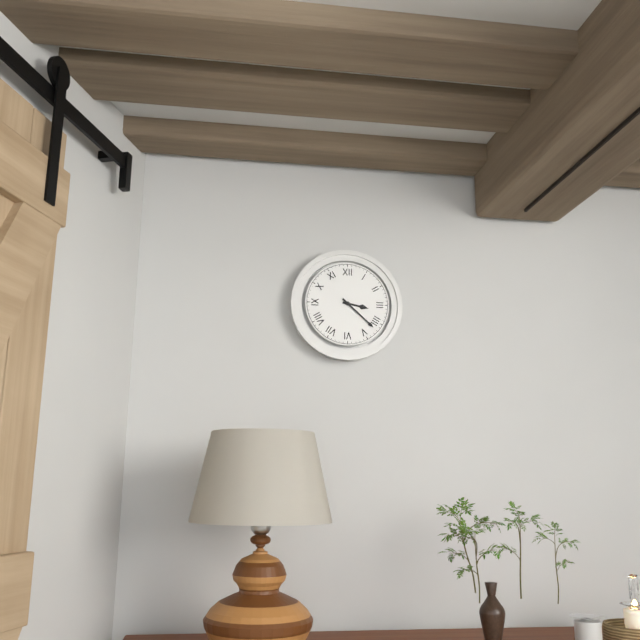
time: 3:22
